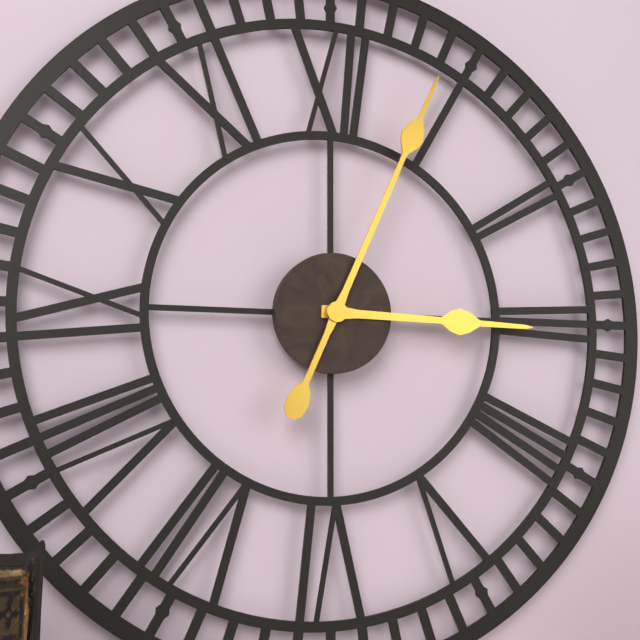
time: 3:04
